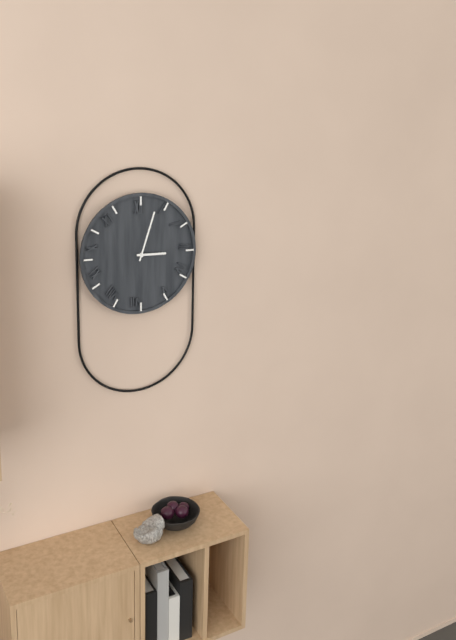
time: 3:03
